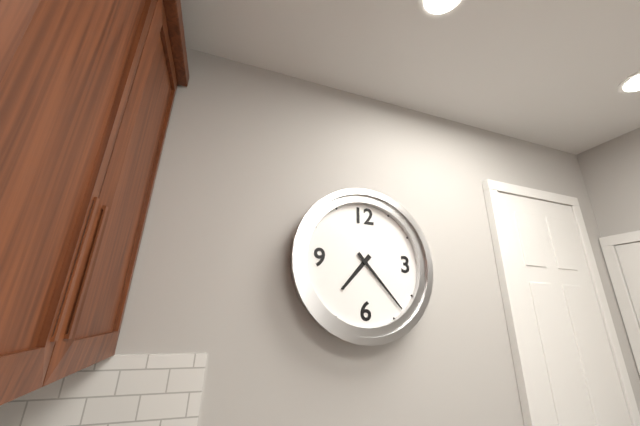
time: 7:23
